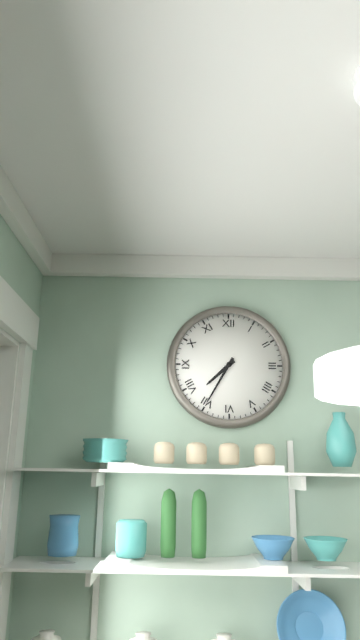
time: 7:35
